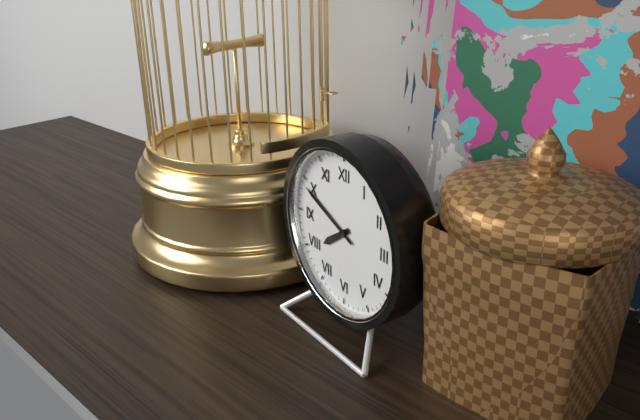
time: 7:49
